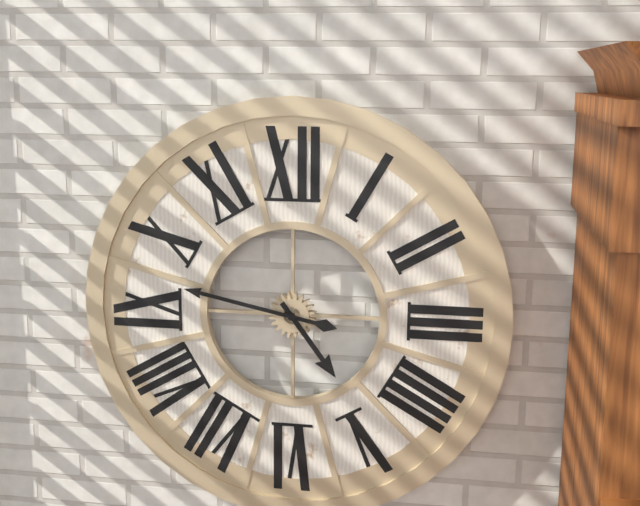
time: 4:47
